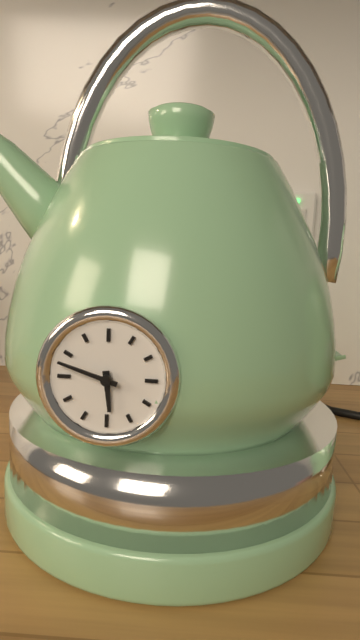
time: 5:48
